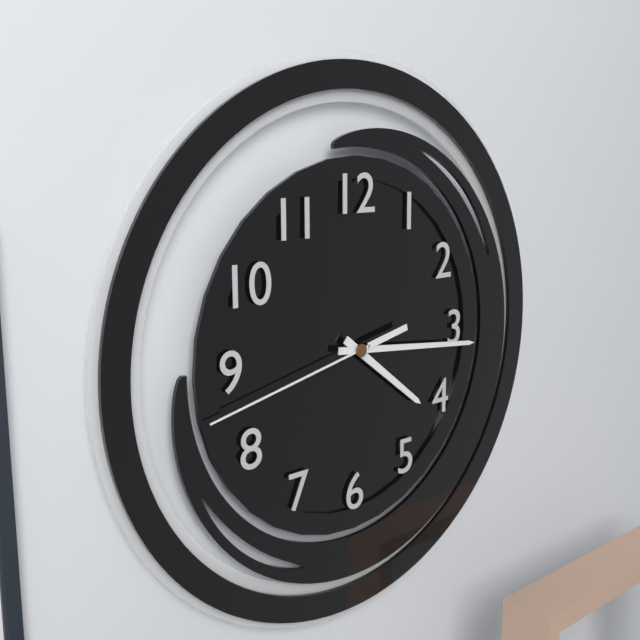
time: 4:16:43
